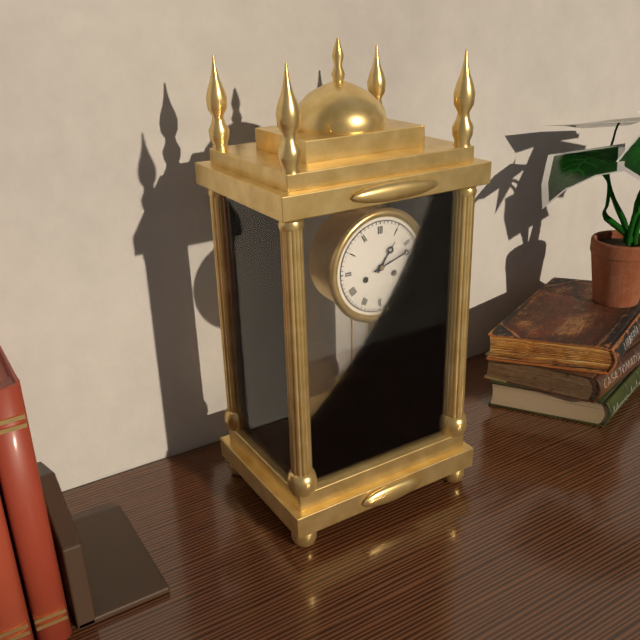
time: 1:12
